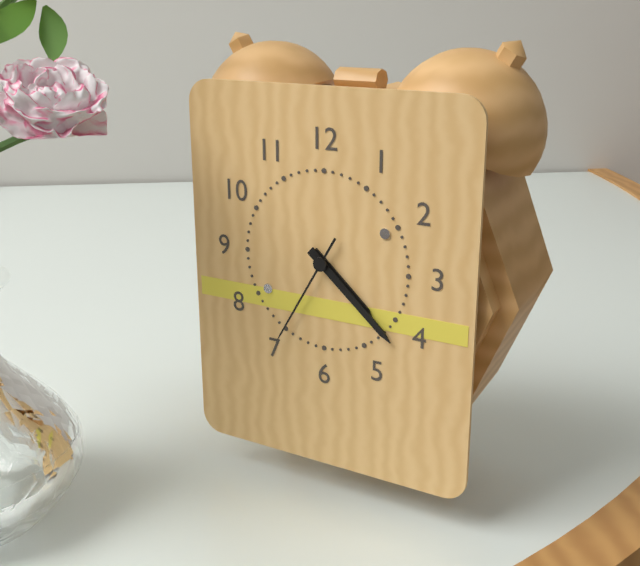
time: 4:22:35
